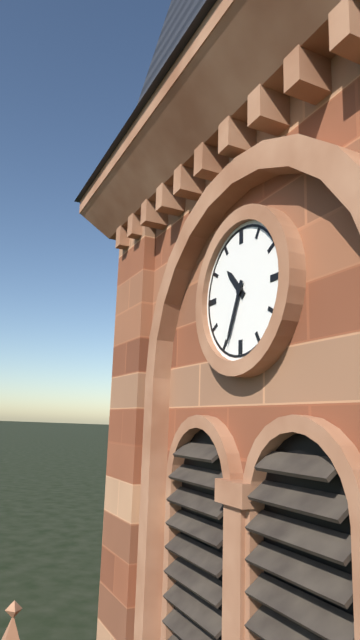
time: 10:34
